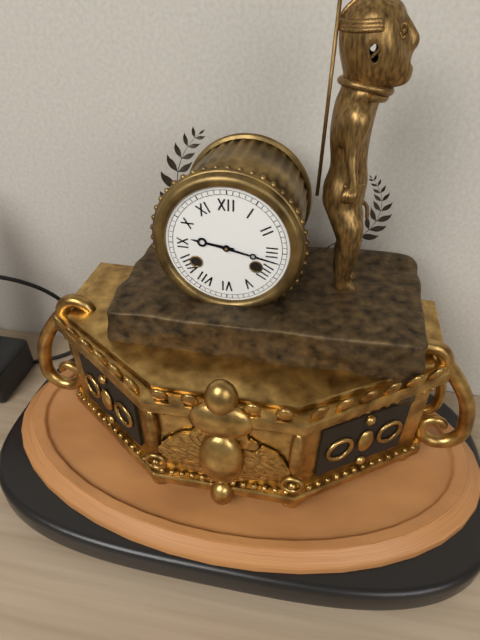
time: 9:17
